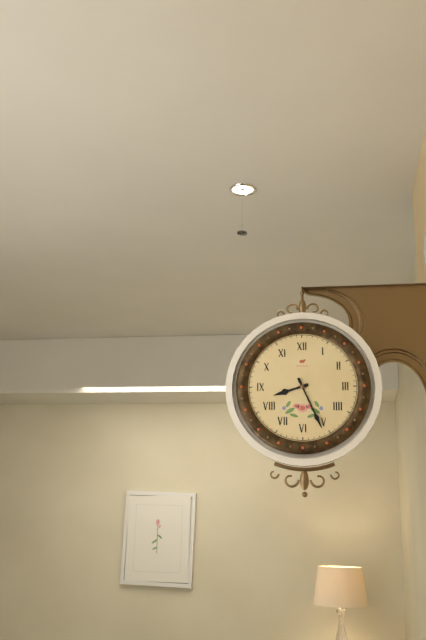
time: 8:26
